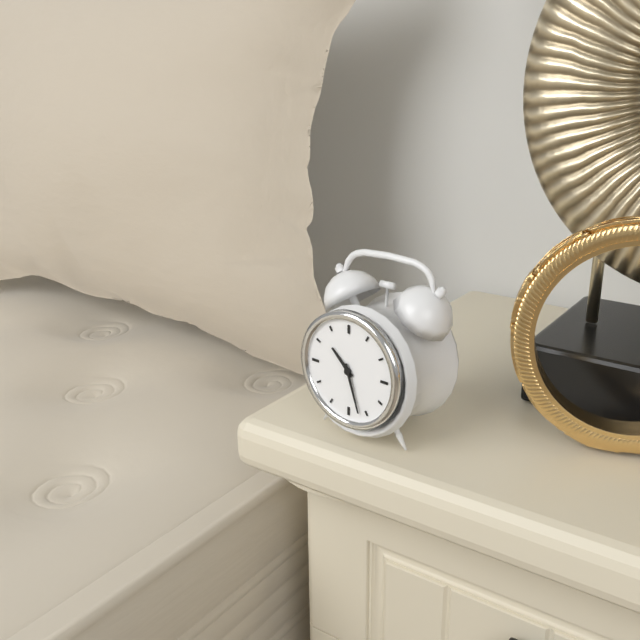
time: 10:27
